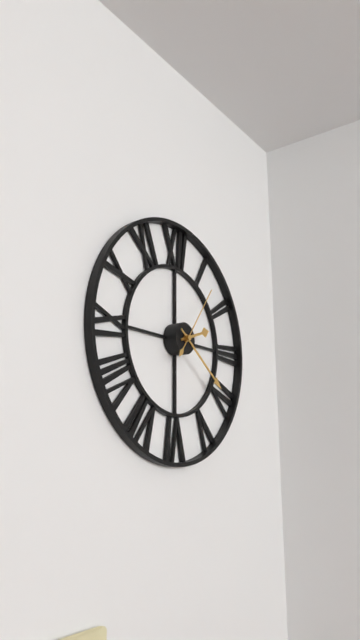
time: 2:21:06
